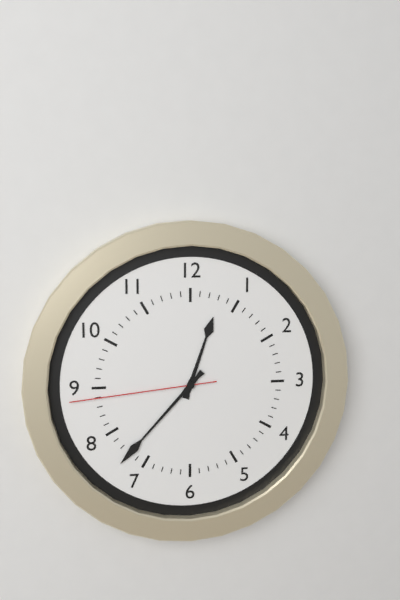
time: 12:37:44
